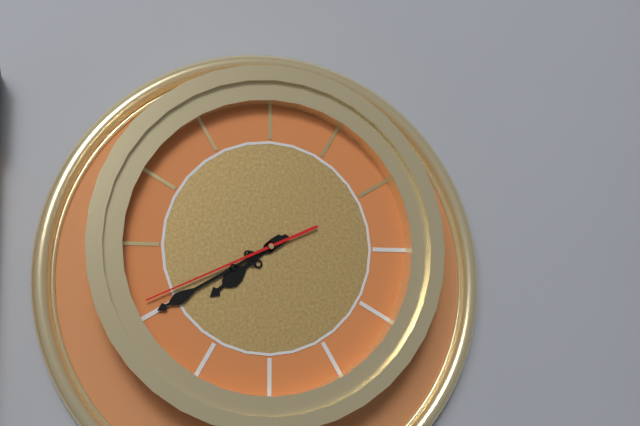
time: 7:40:41
